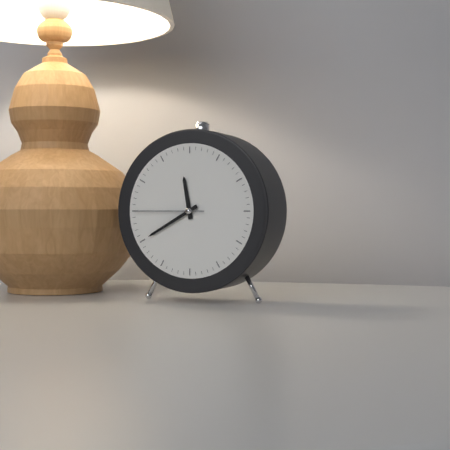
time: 11:40:45
